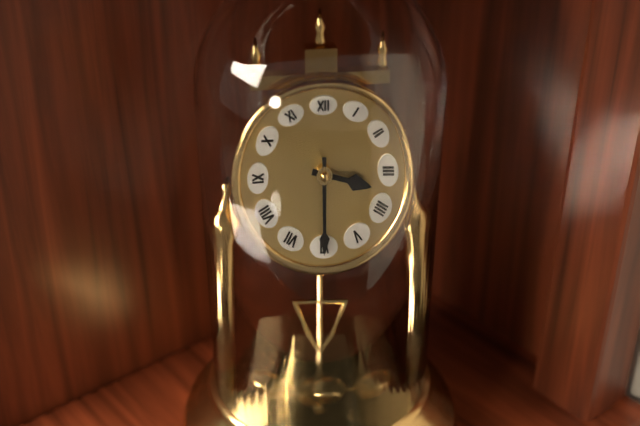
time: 3:30
